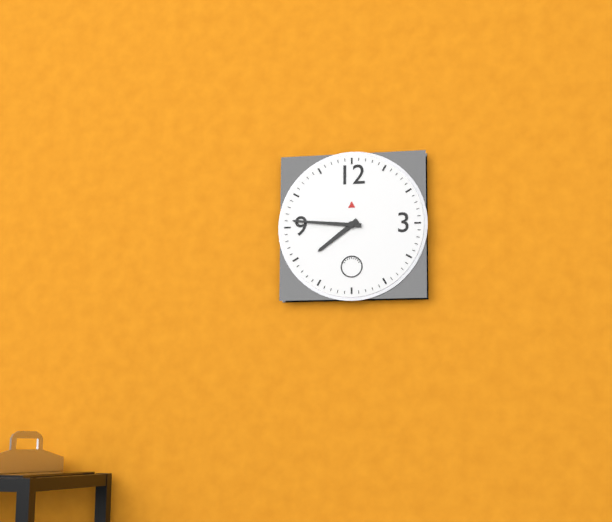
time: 7:46
